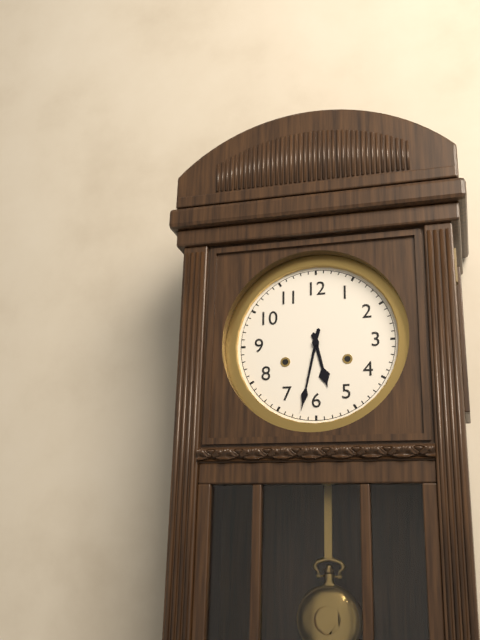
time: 5:32
